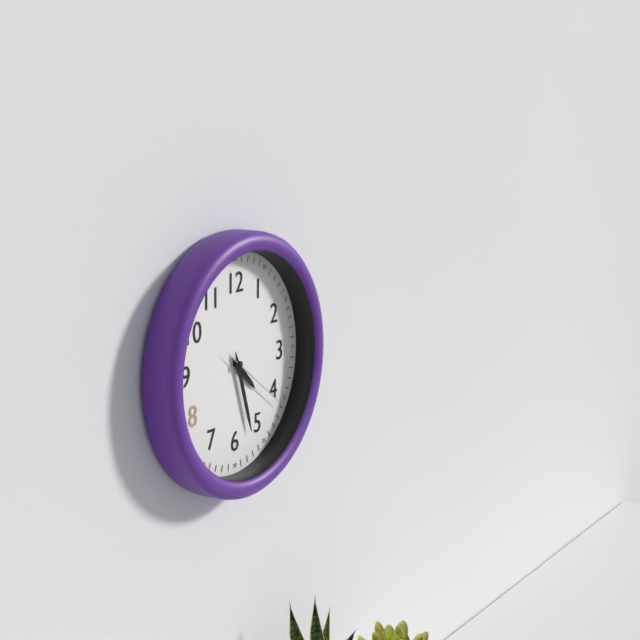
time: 4:27:21
